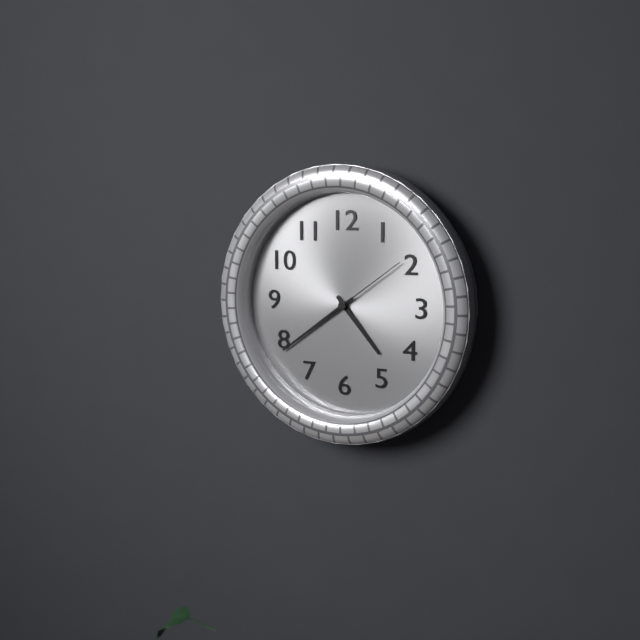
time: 4:39:09
